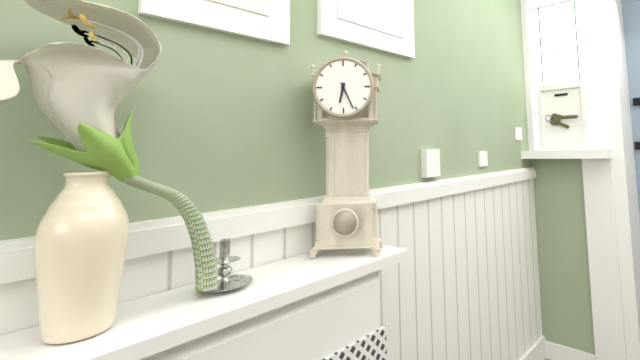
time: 6:26
